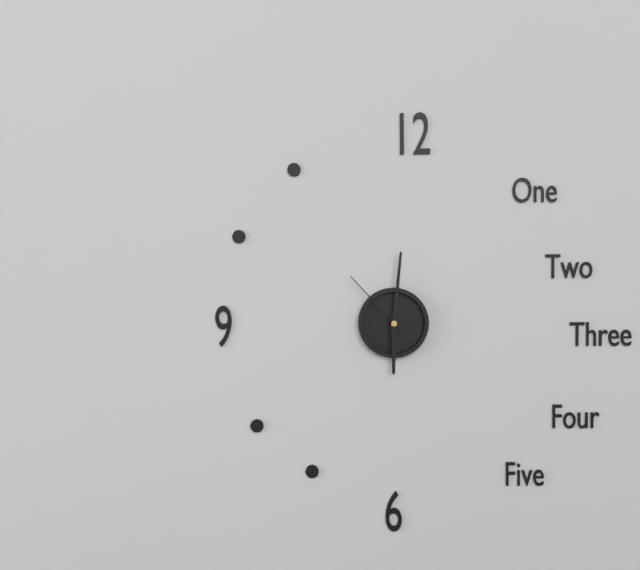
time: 6:01:53
